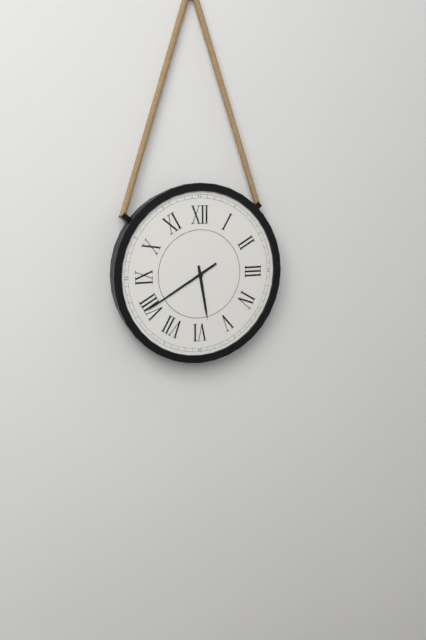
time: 5:40
